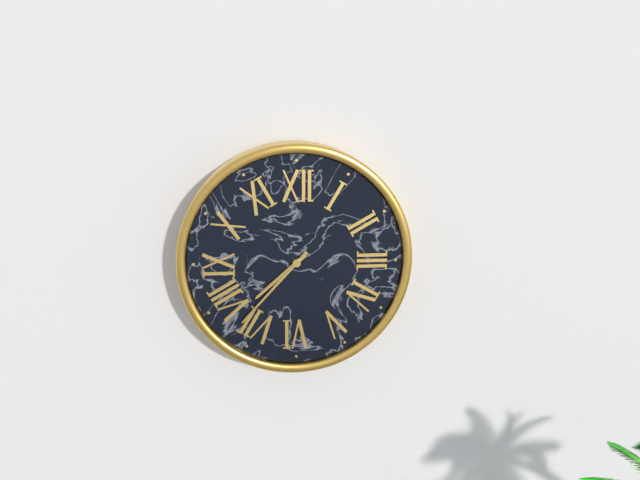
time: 7:37
